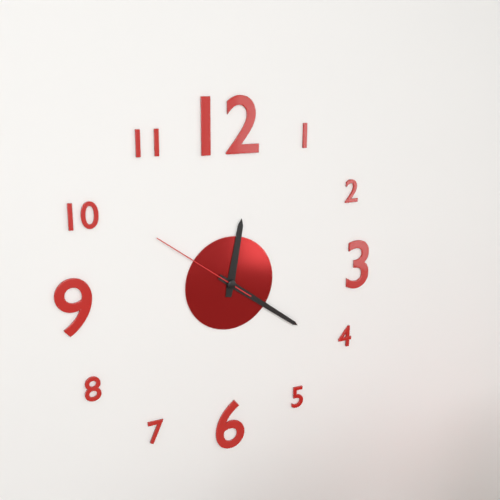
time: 12:21:51
